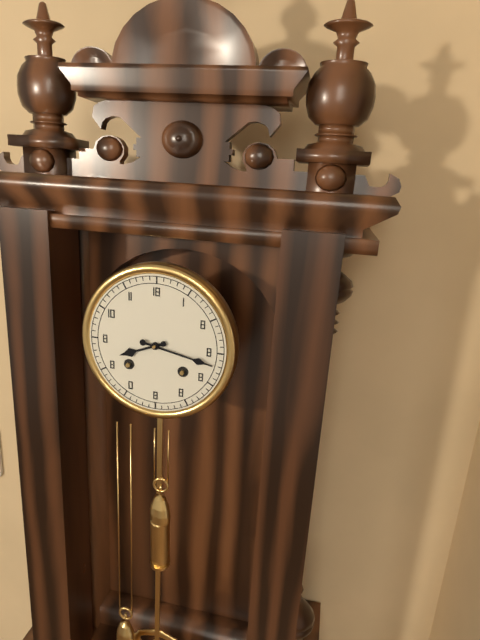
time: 8:17
